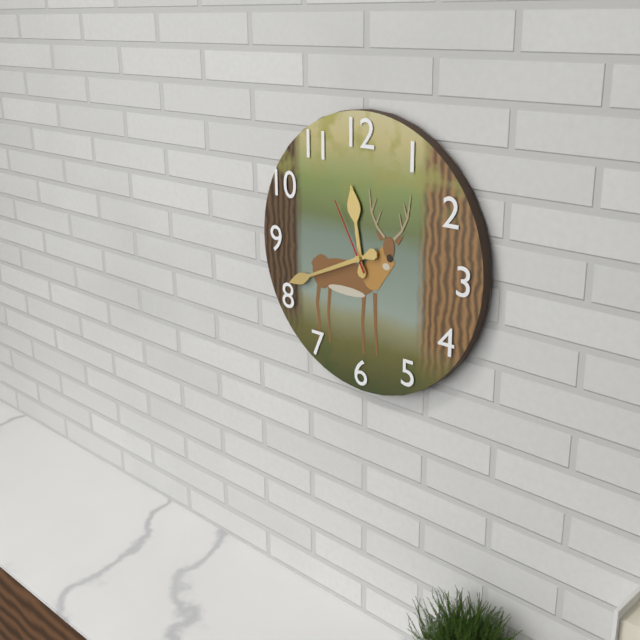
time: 11:41:55
